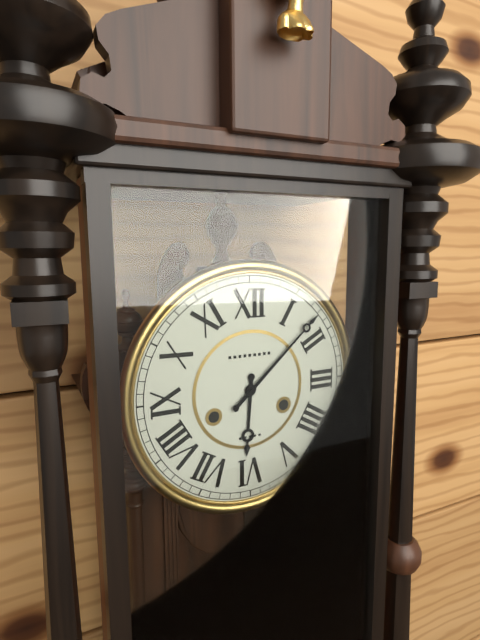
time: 6:08
